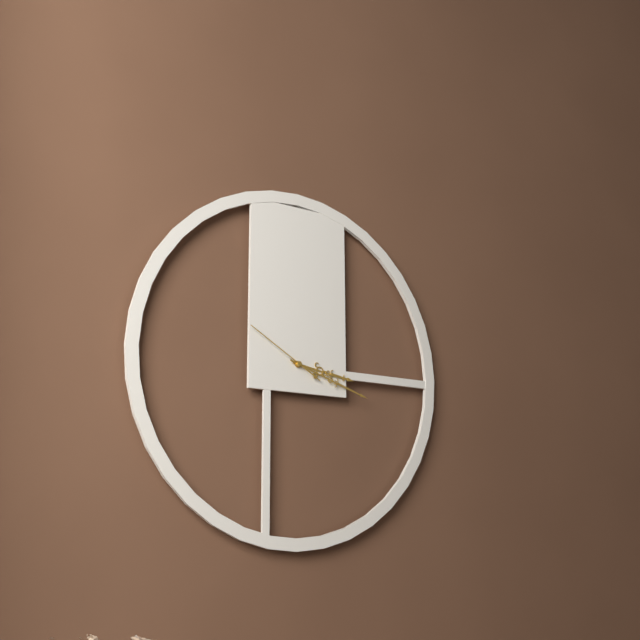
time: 3:18:50
